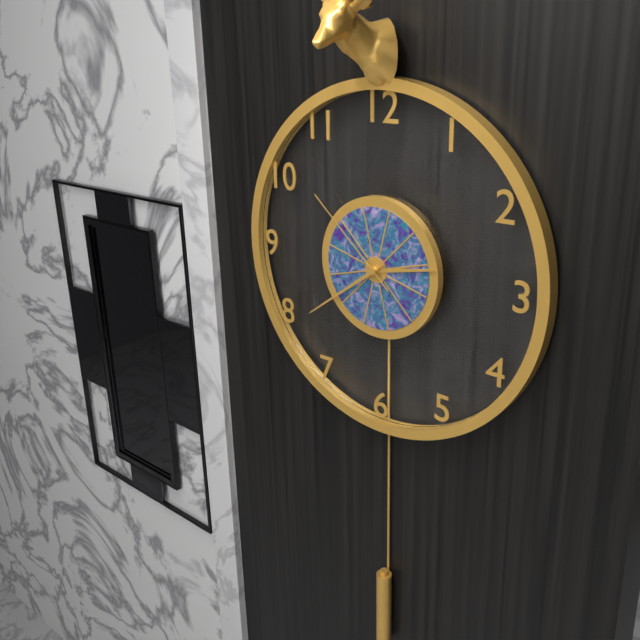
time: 2:39:52
